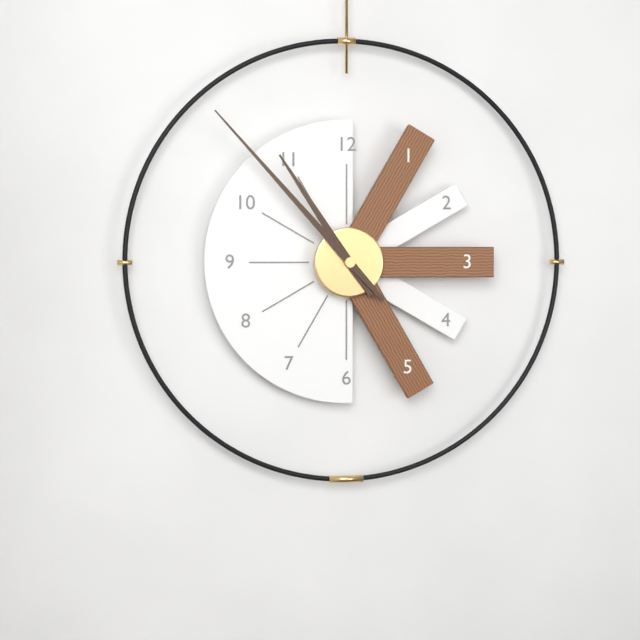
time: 10:53
